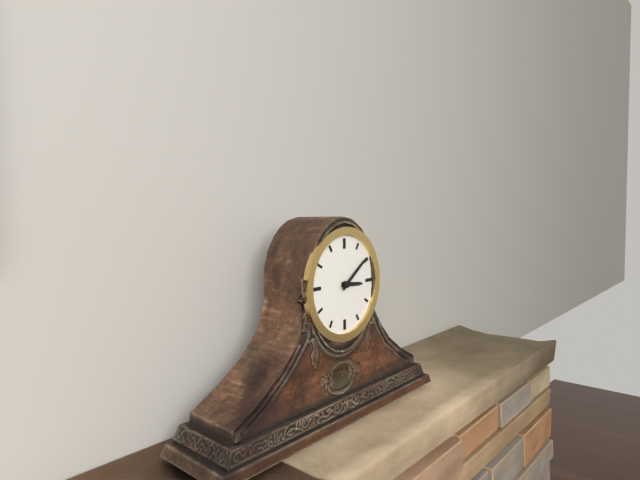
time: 3:09
